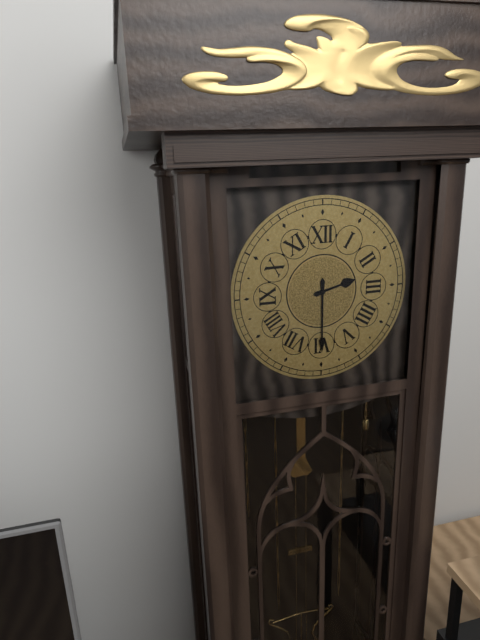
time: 2:30
